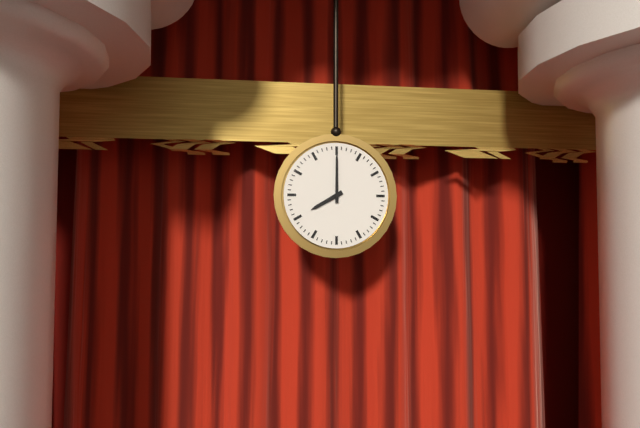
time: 8:00
